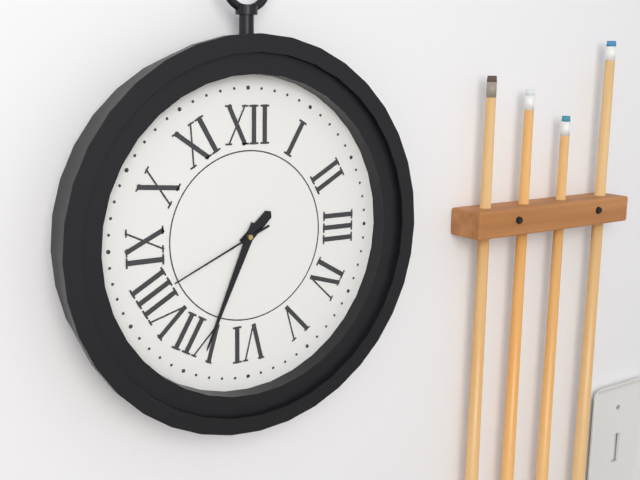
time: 1:34:41
